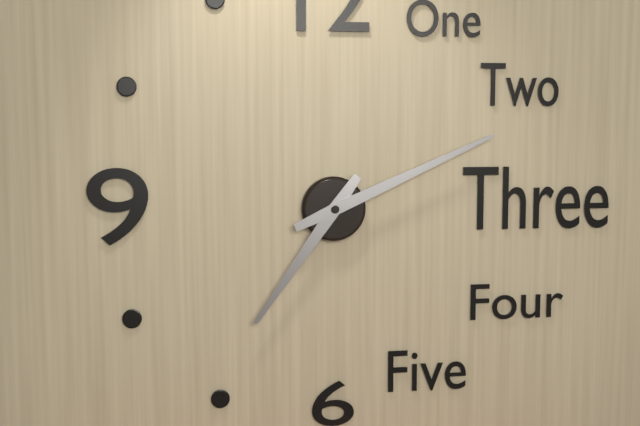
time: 7:11
